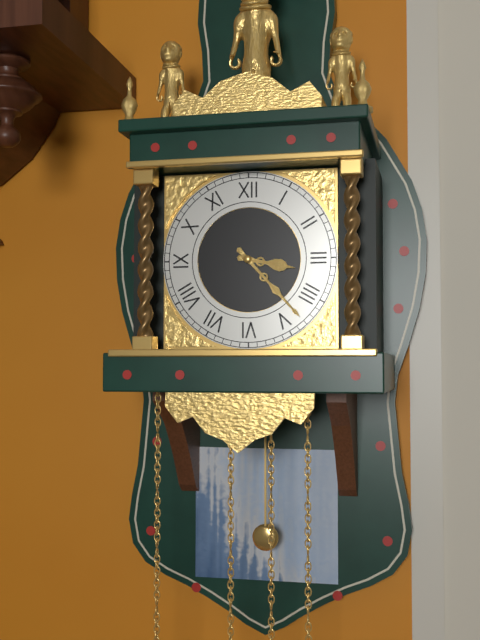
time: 3:23
